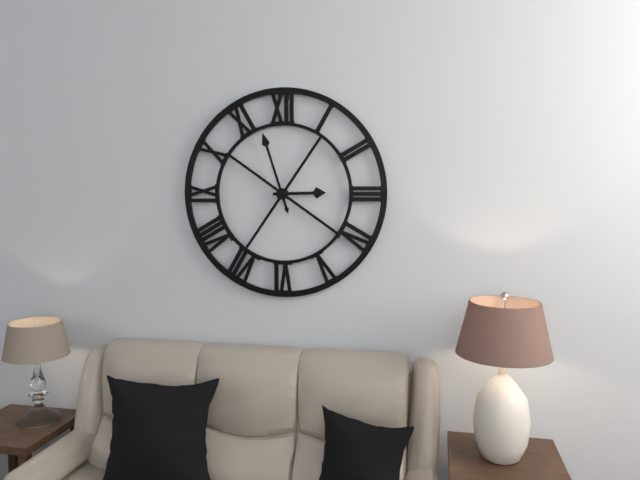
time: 2:57
